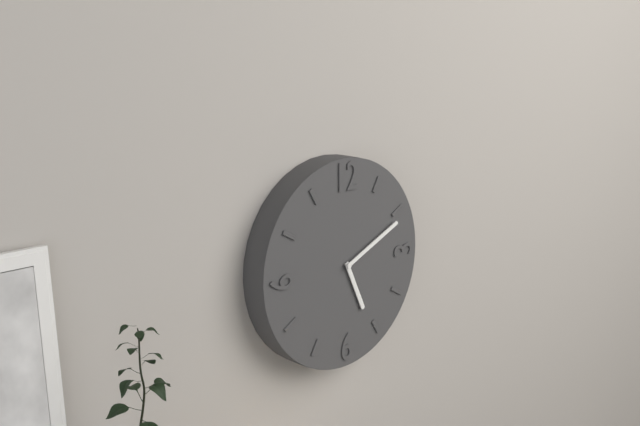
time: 5:11
